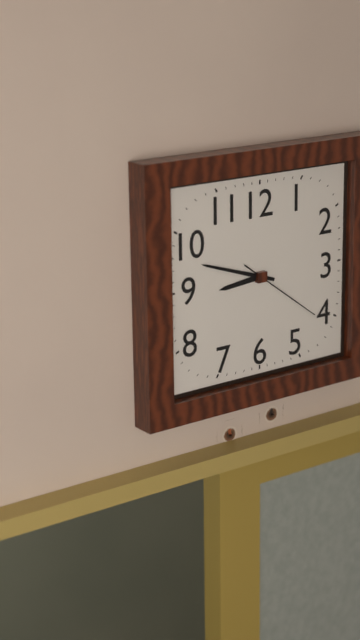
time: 8:48:21
